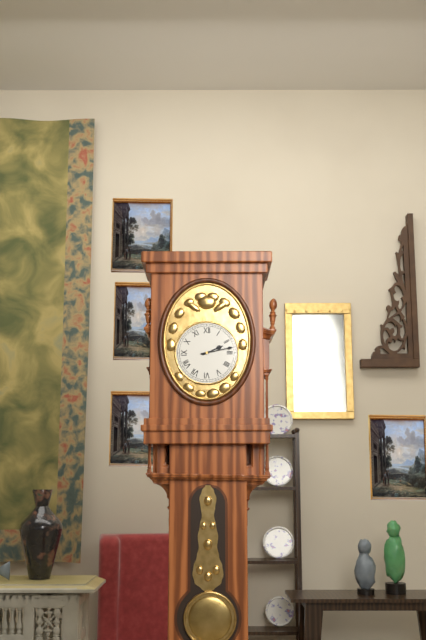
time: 2:13
